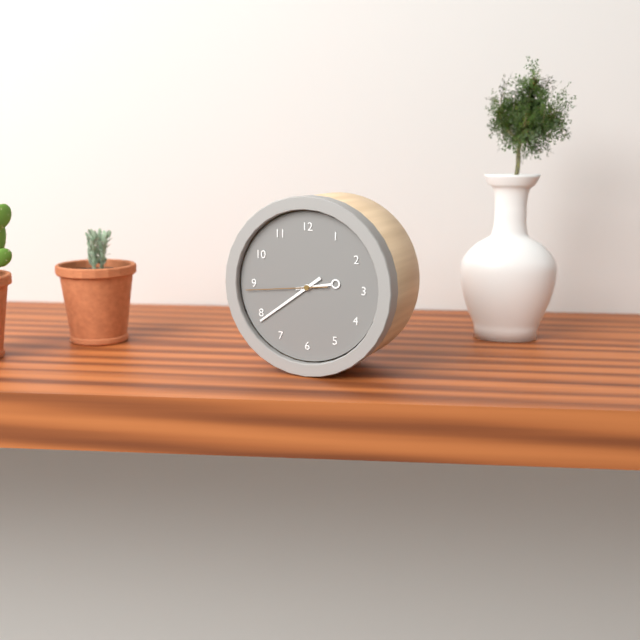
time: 2:39:44
